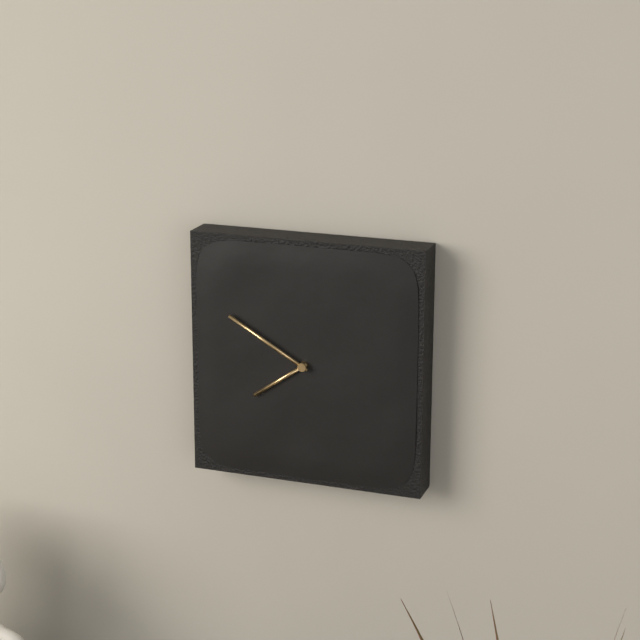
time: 7:50
